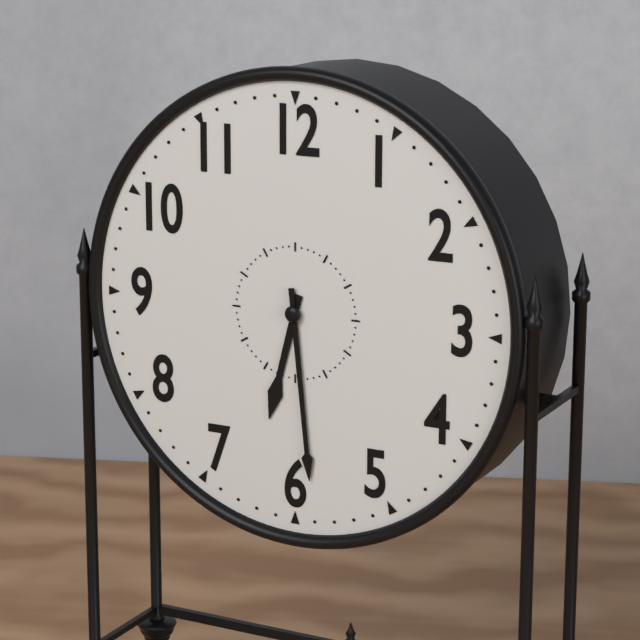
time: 6:29
